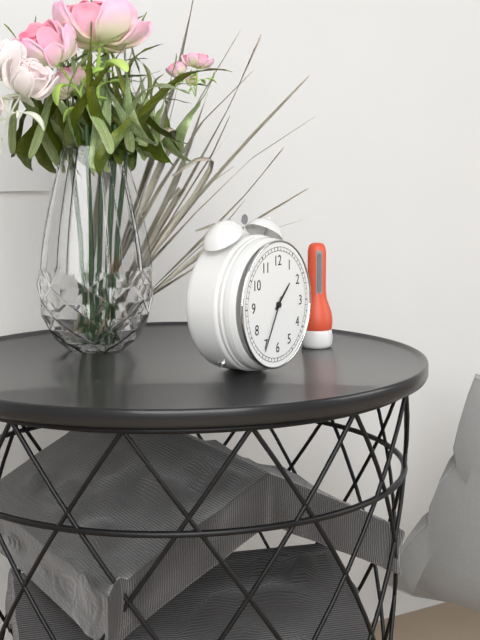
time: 1:35
